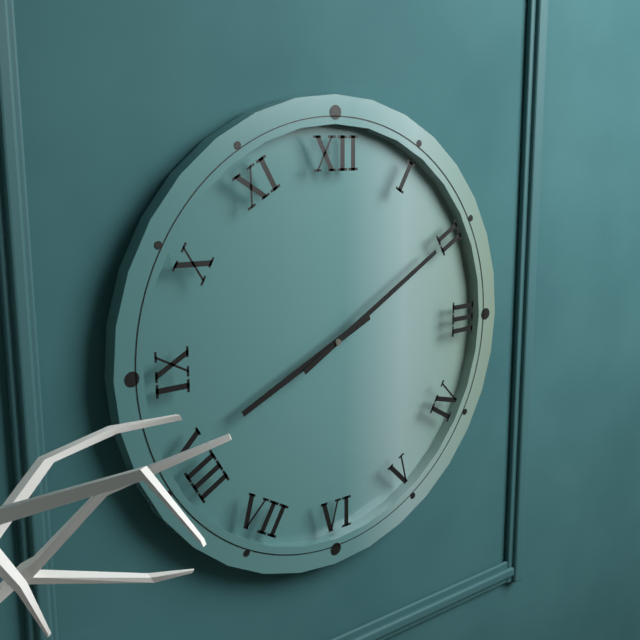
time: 8:10
